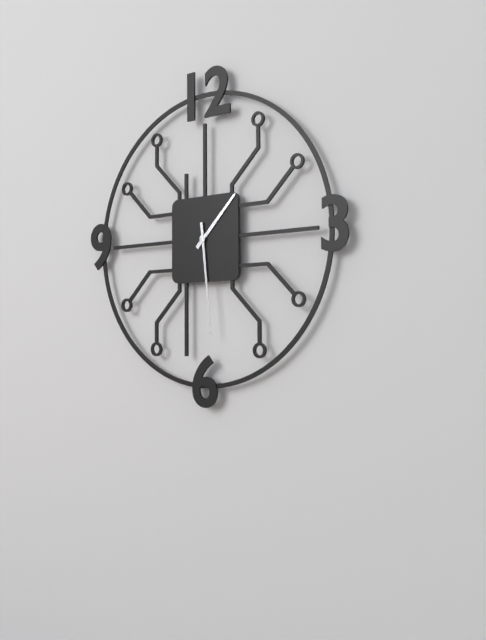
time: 1:29
